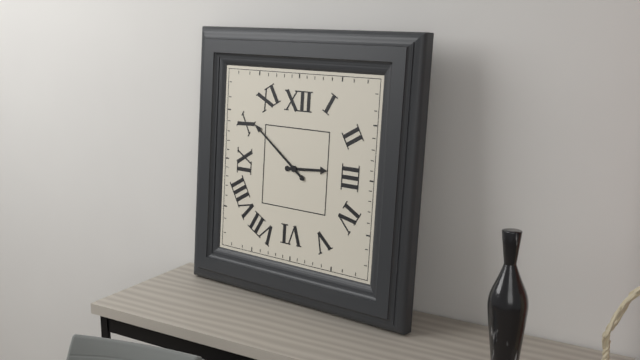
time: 2:51
